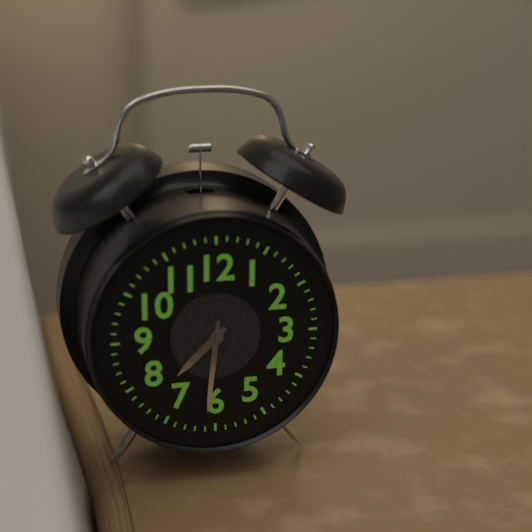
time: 7:31
